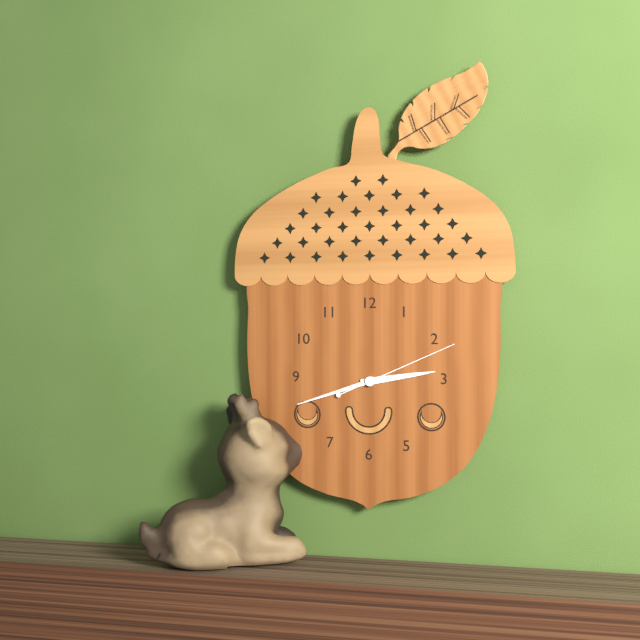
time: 2:42:11
